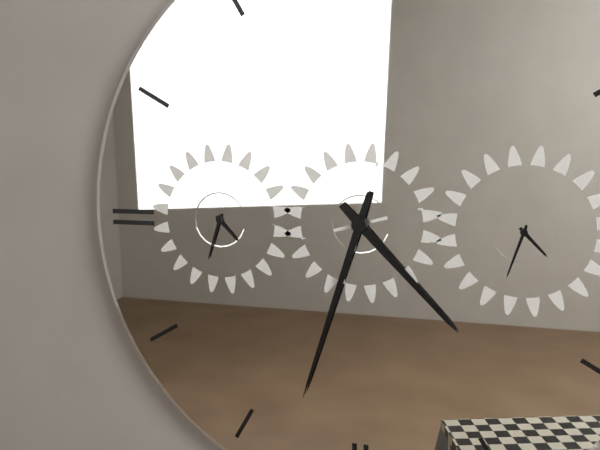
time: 4:33
